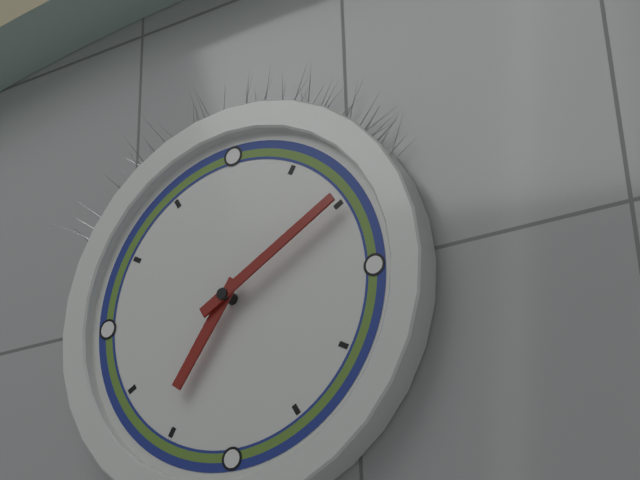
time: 7:10
